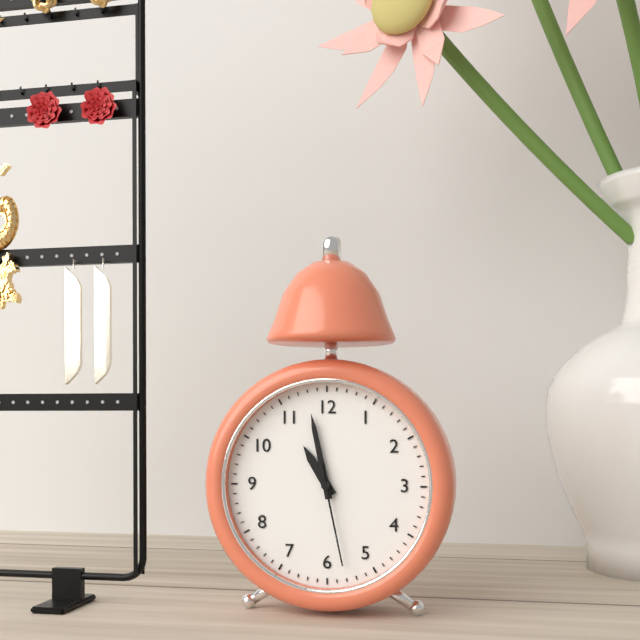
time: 10:58:28
